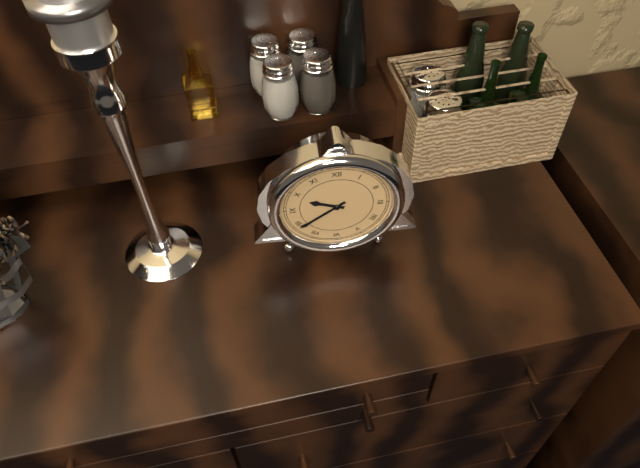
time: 9:39
